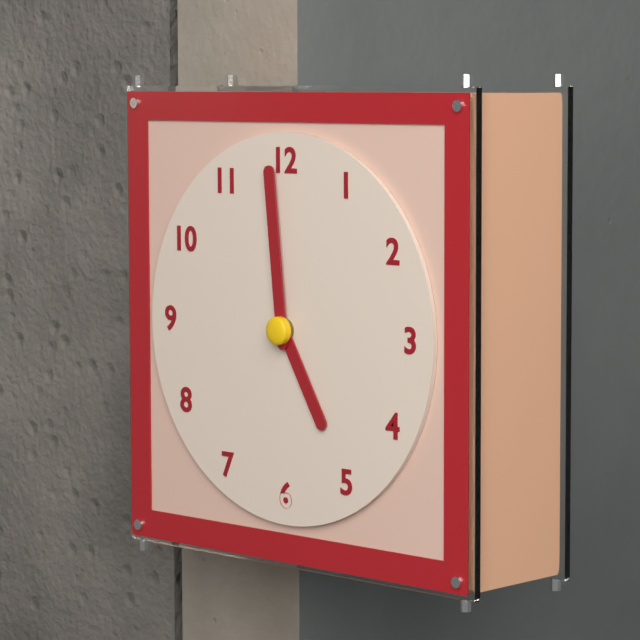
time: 4:59
